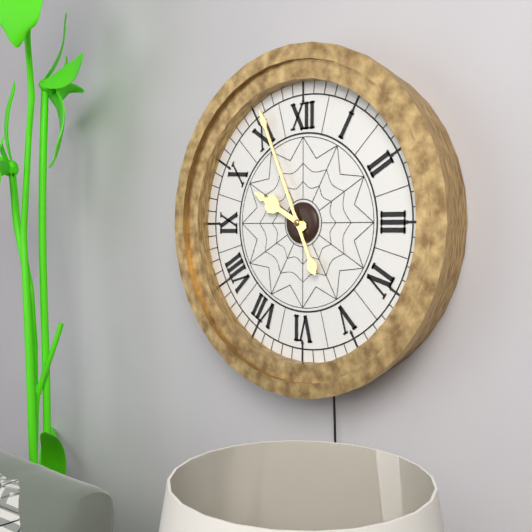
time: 9:56
